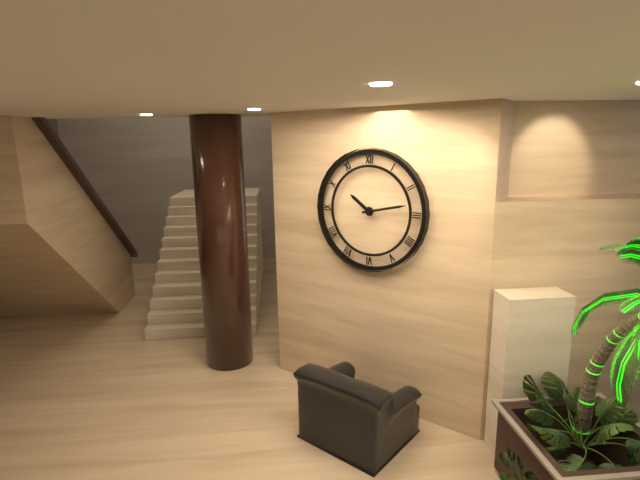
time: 10:13
